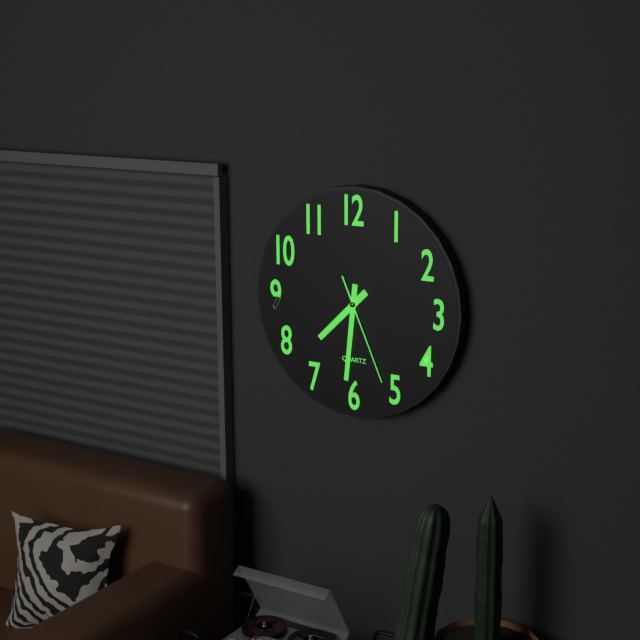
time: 7:31:26
